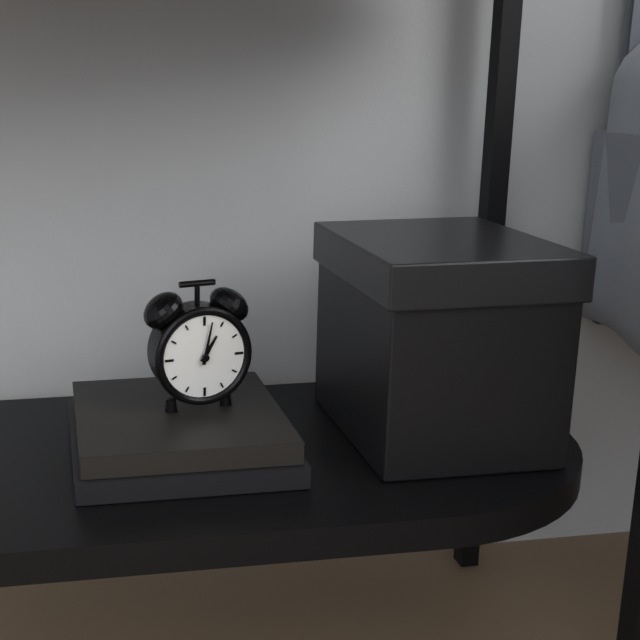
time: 1:02
